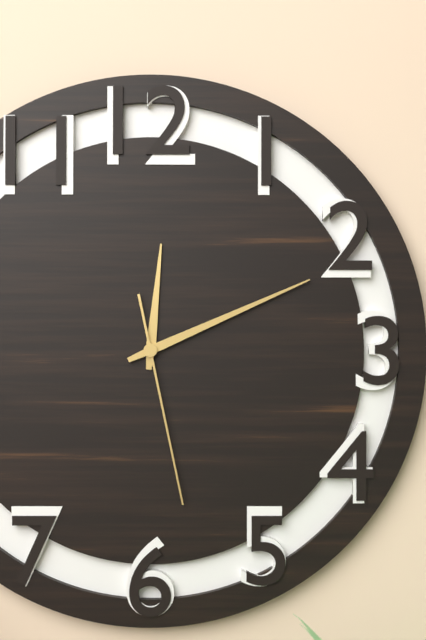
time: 12:11:28
